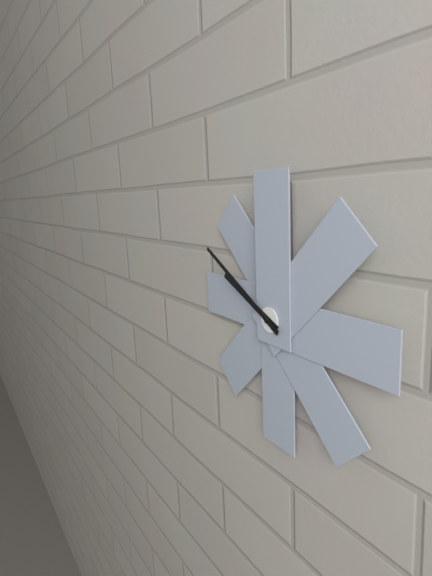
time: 9:50
